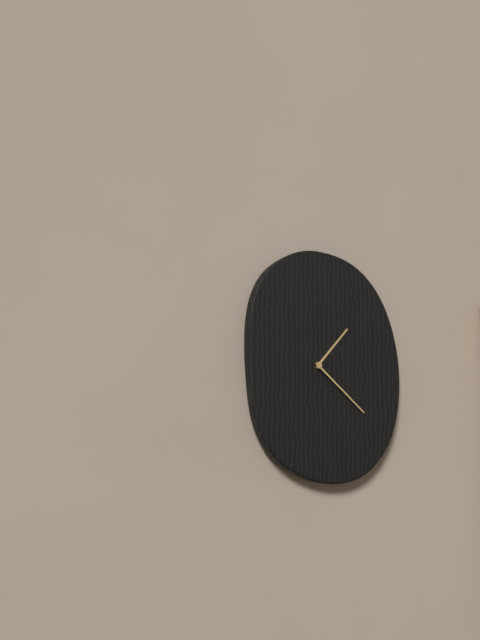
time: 1:22
